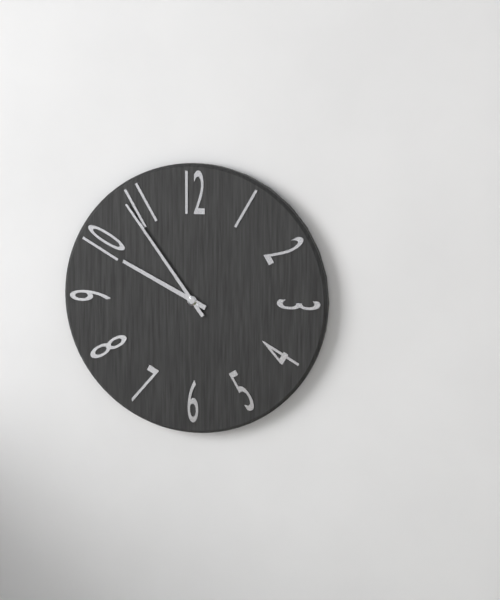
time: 9:54
